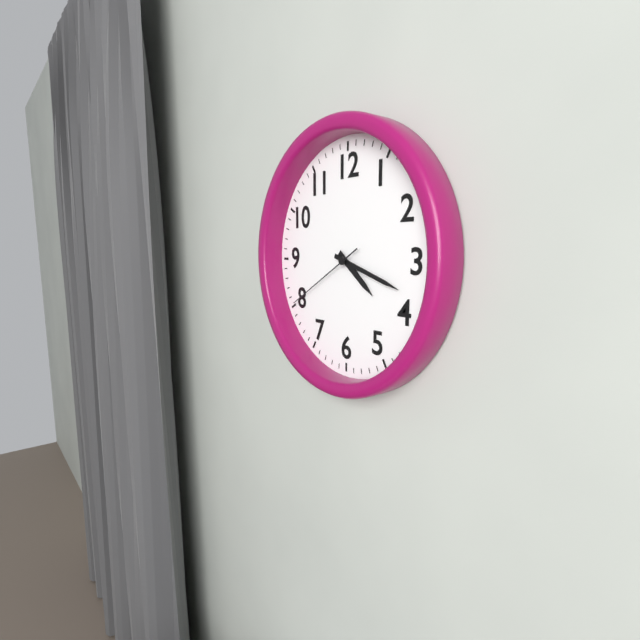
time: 4:18:40
